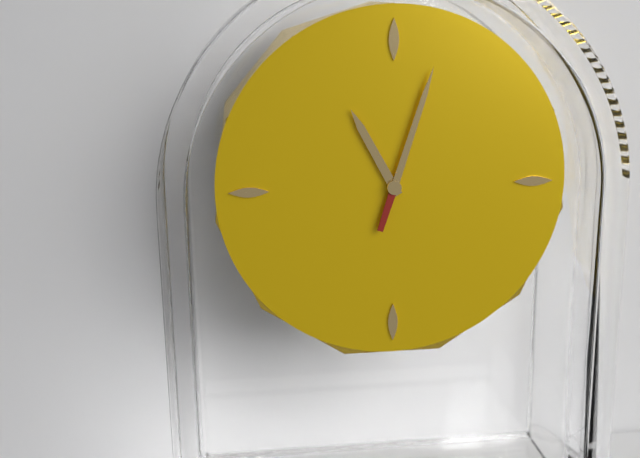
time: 11:03
